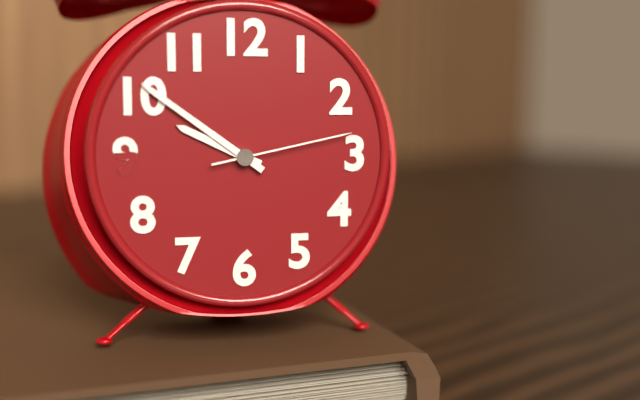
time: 9:51:13
